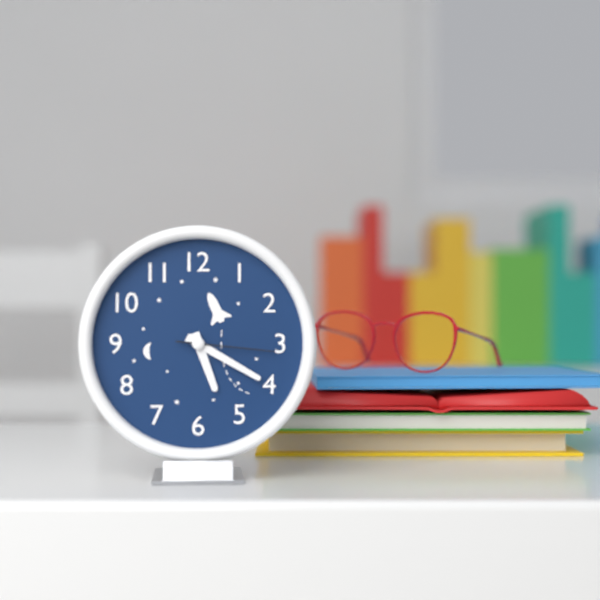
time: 5:20:16
